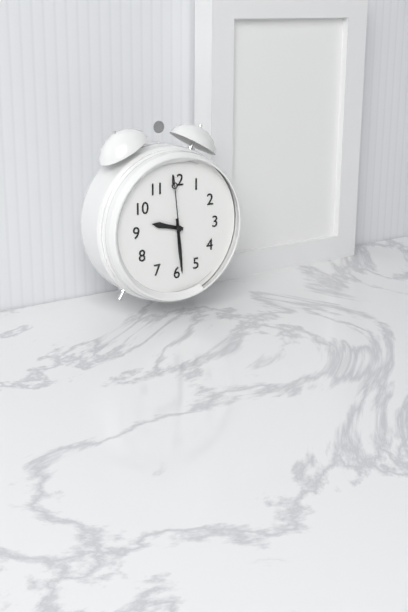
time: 9:29:59
